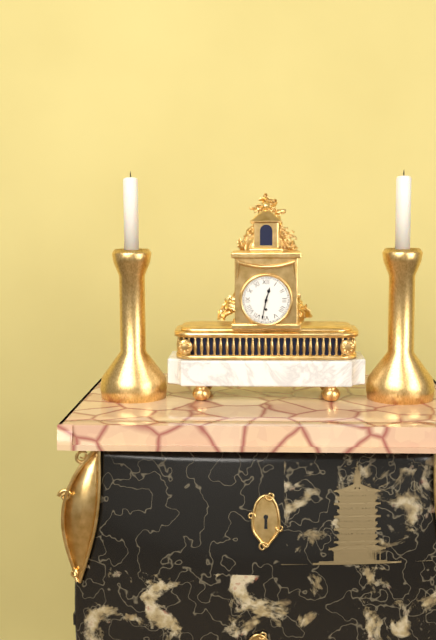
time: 12:32
